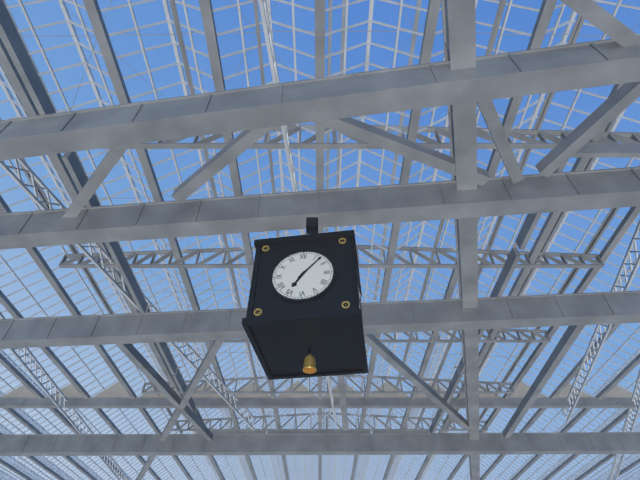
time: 7:07
